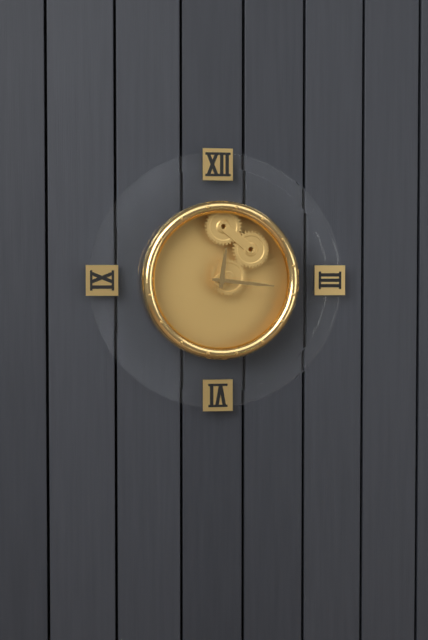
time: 12:16
